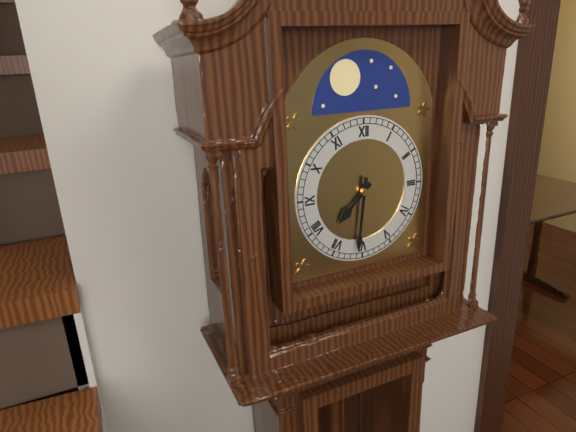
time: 7:31
